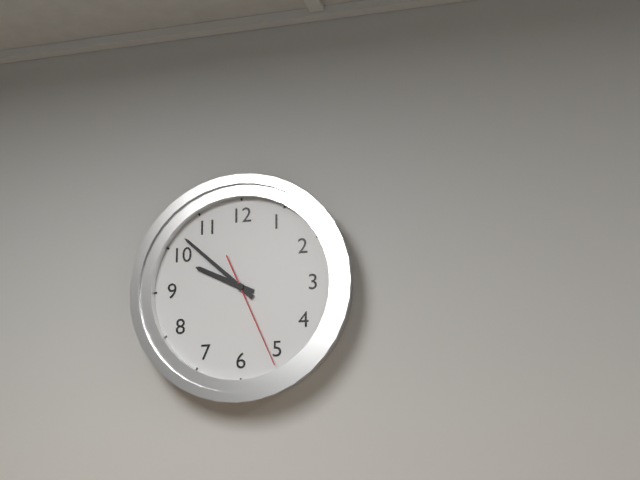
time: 9:52:26
